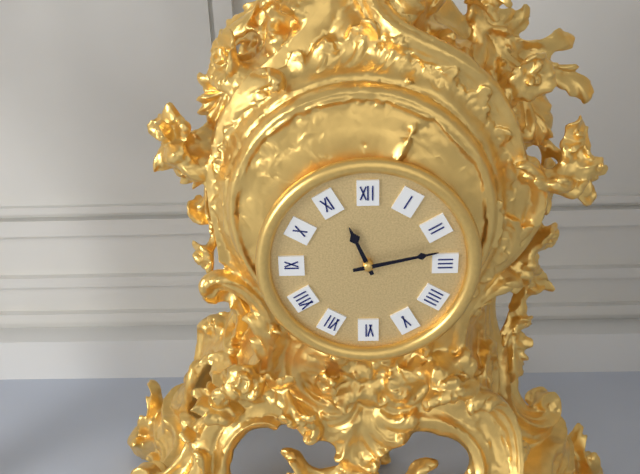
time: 11:13
